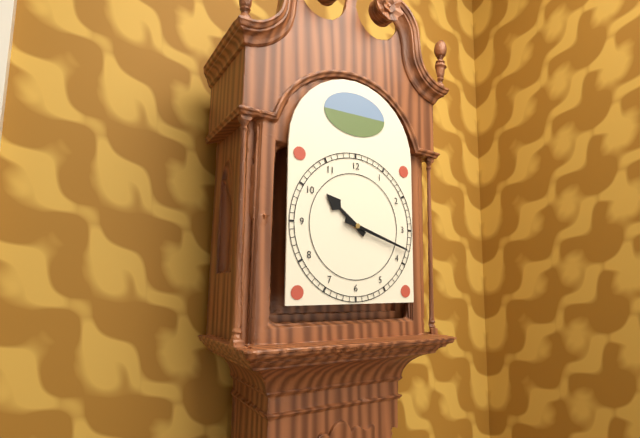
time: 10:18
